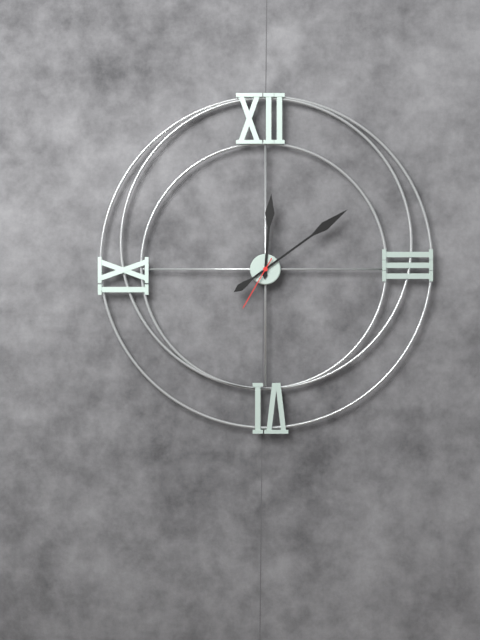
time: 12:09:35
